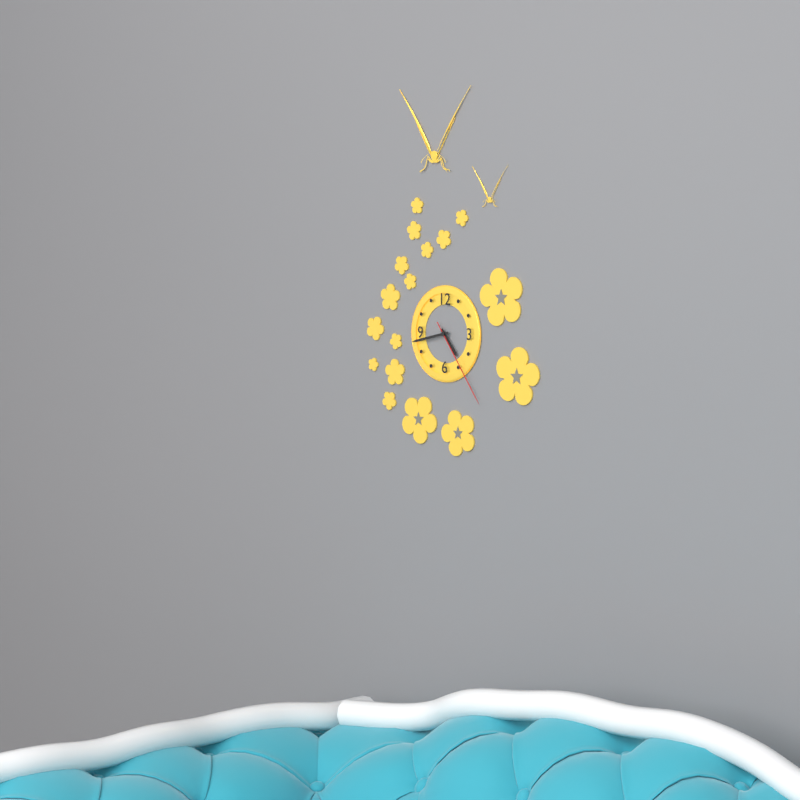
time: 4:43:24
